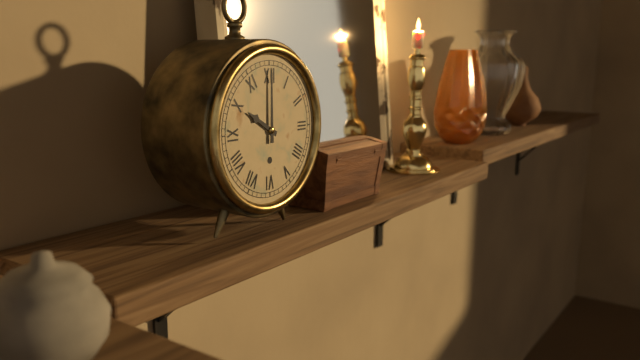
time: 10:00
